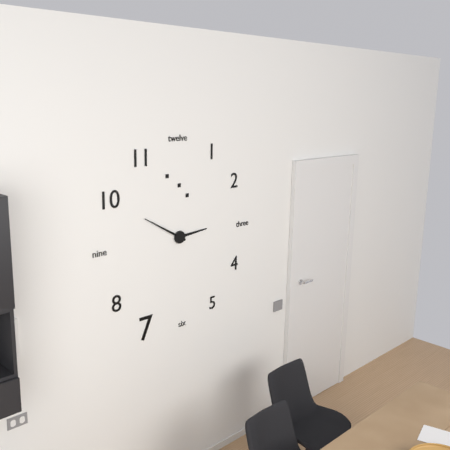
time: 2:50
